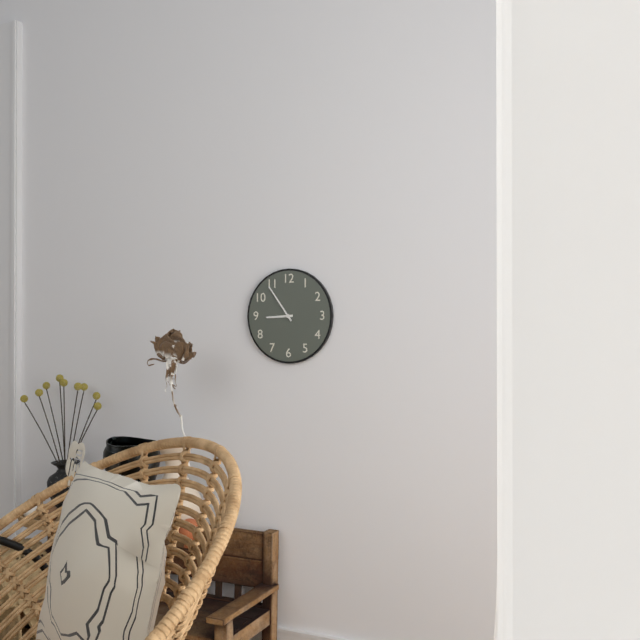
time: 8:54
